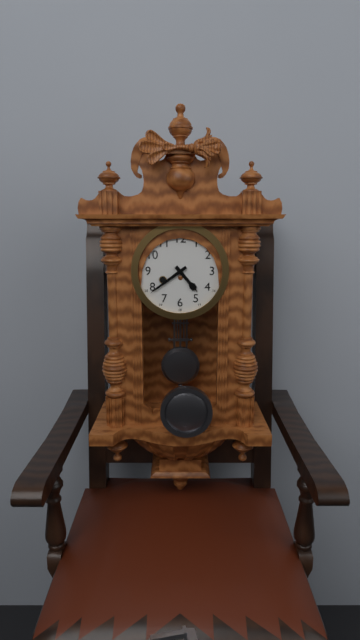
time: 4:39
